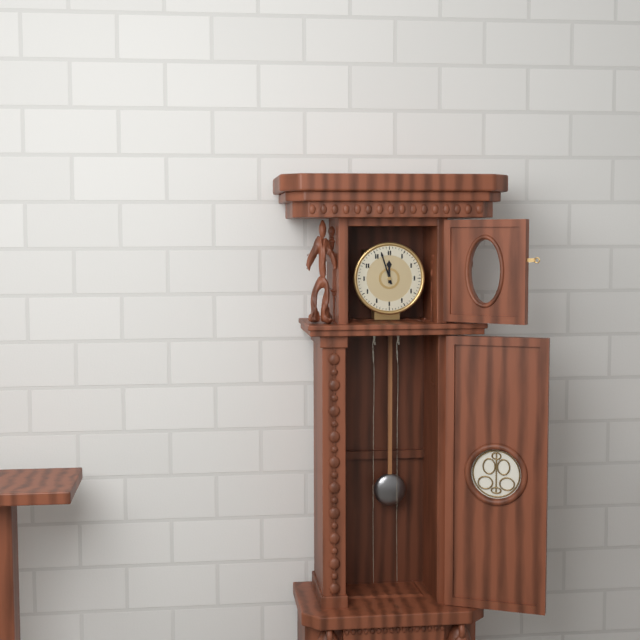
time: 11:57
